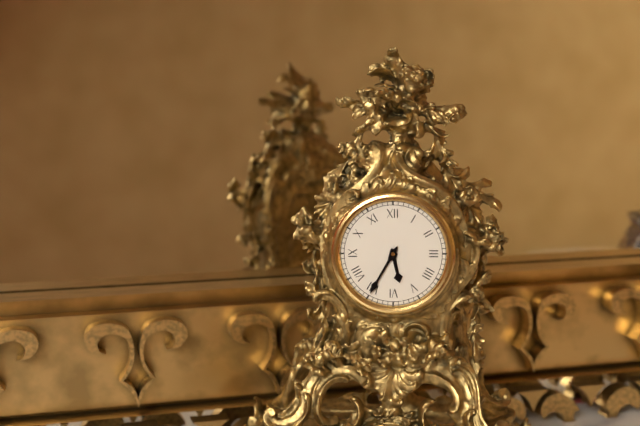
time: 5:35
